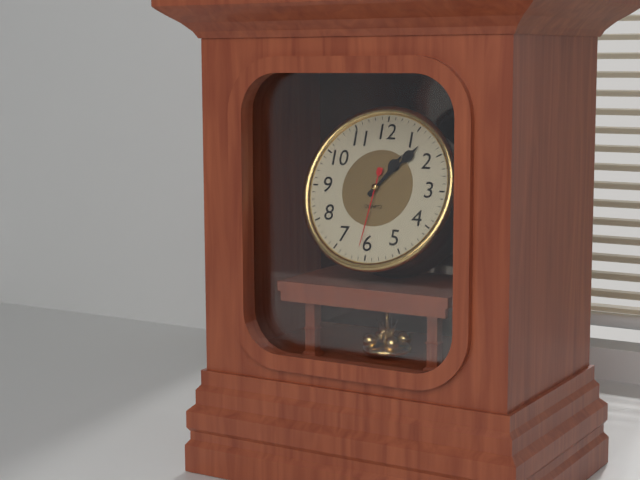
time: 1:07:31
